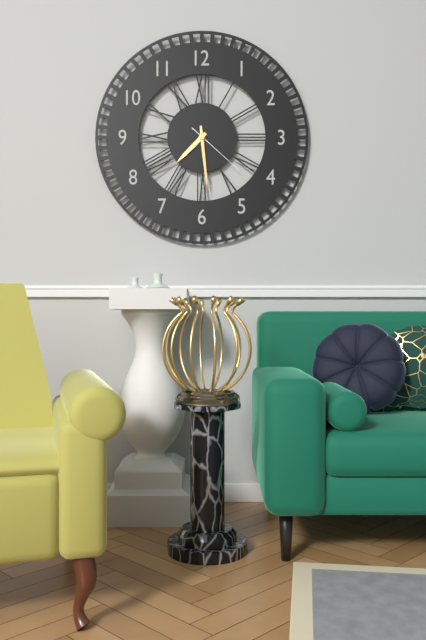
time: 7:29:22
